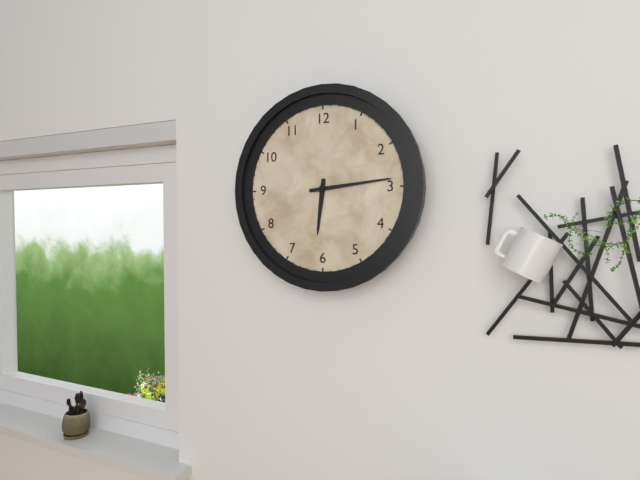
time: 6:14
